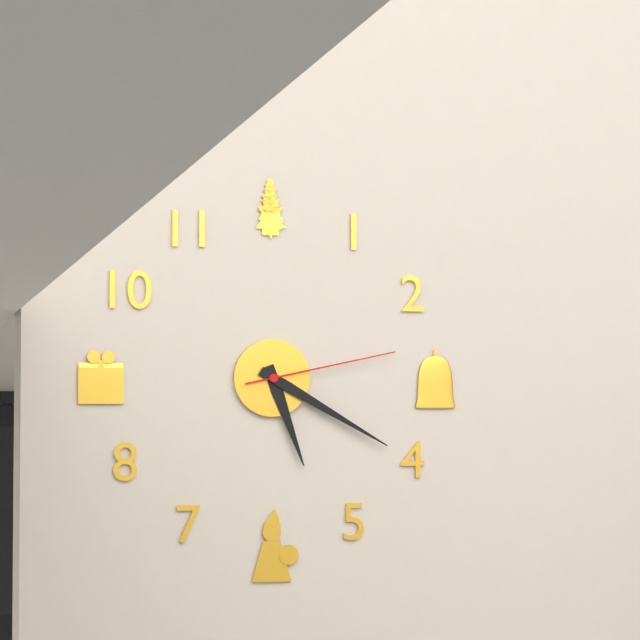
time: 5:20:13
